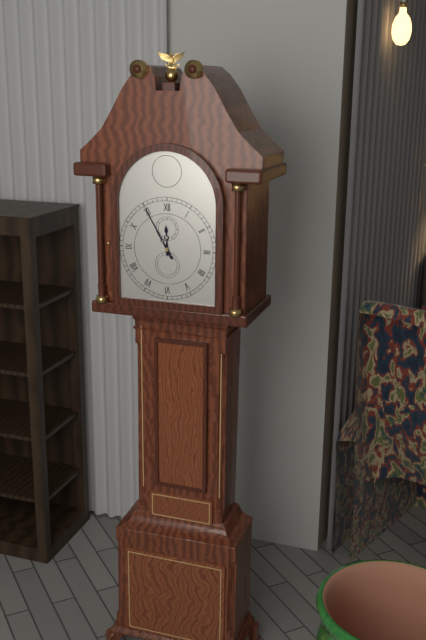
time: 11:55
